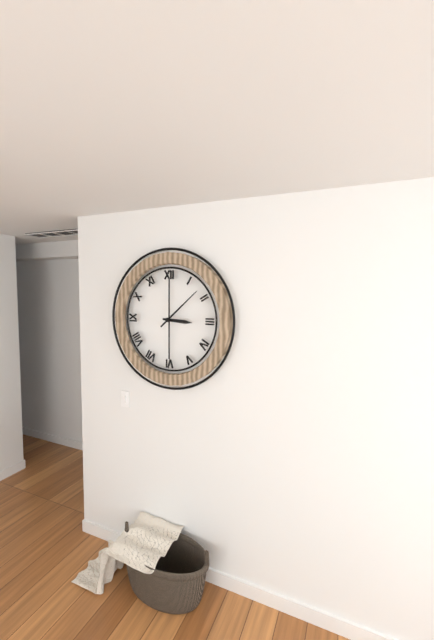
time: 3:08
